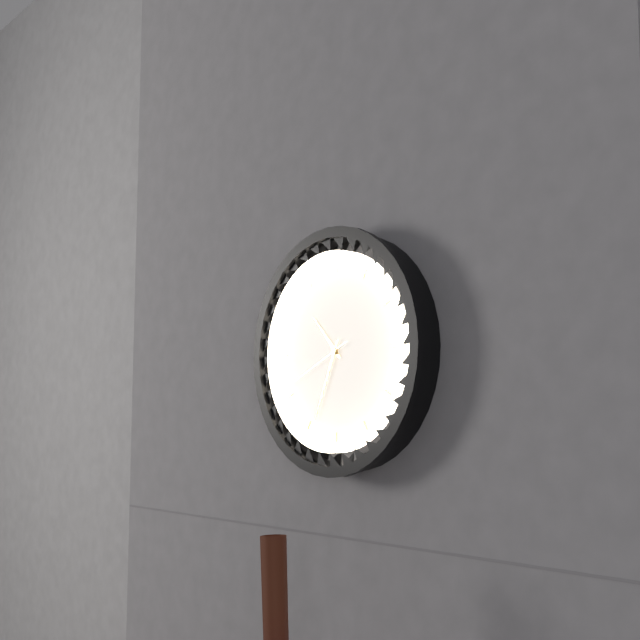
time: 10:34:41
